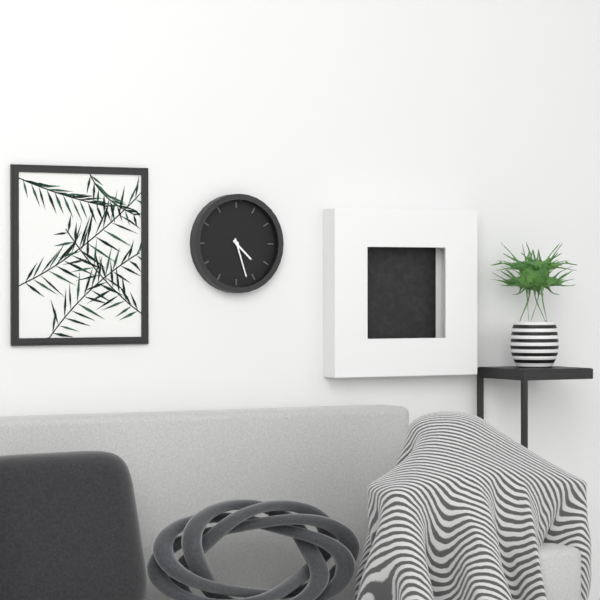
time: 4:27
